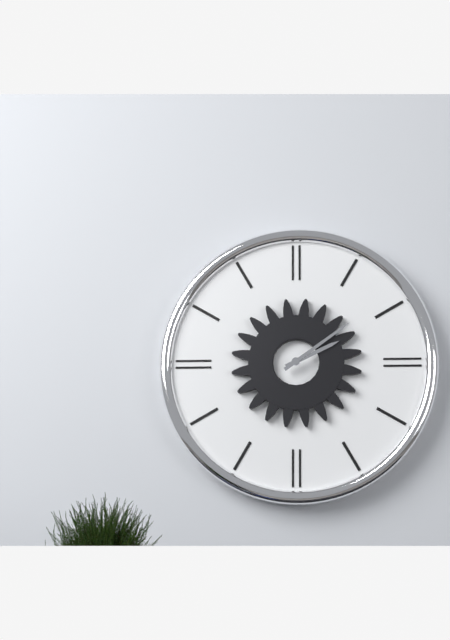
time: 2:09
